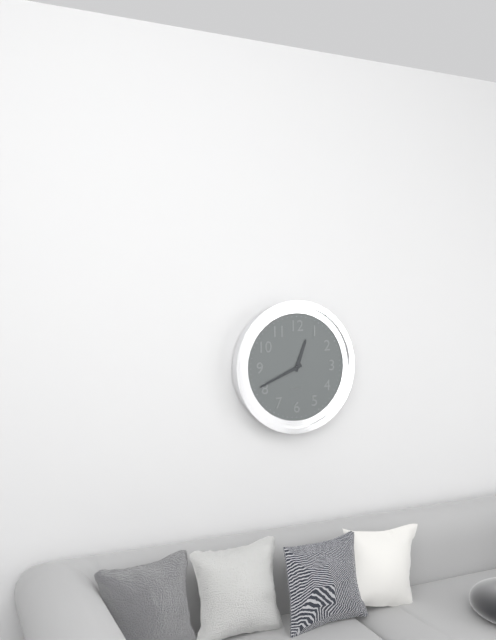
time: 12:41
